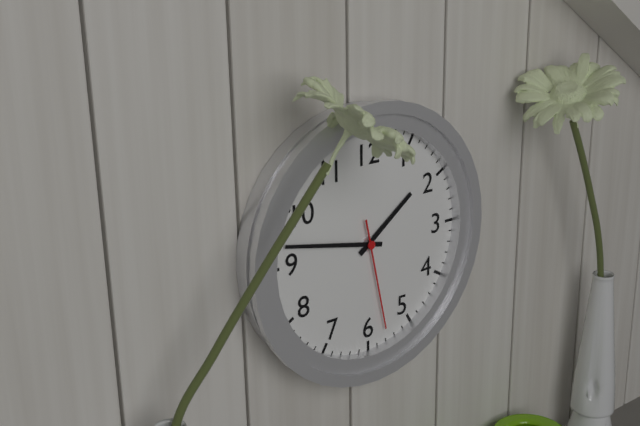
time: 1:47:28
